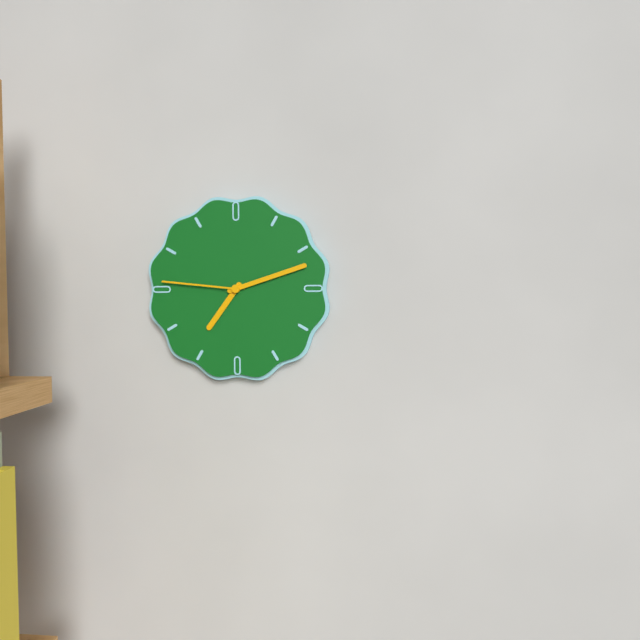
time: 7:12:46
